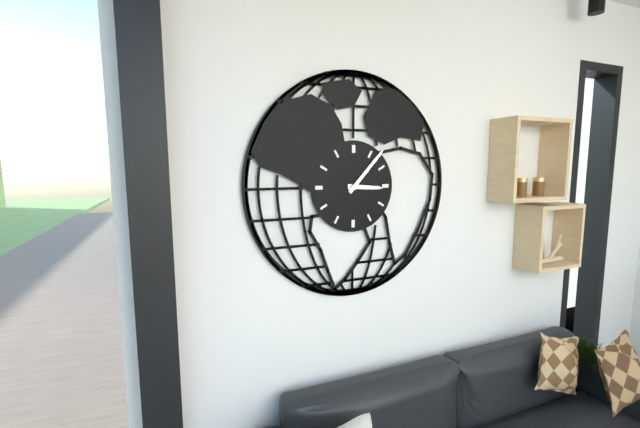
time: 3:07
